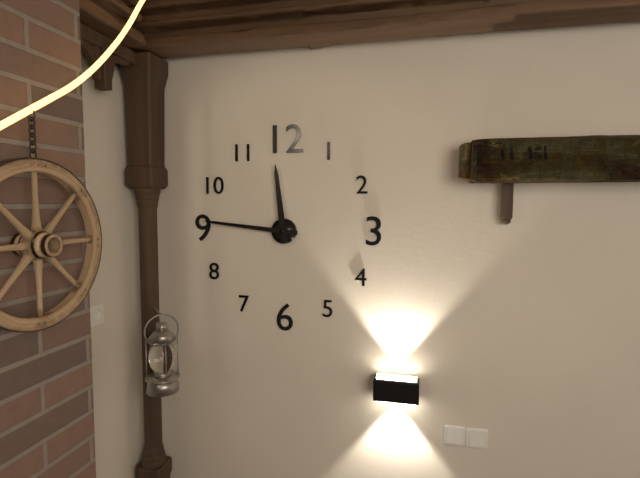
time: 11:46
